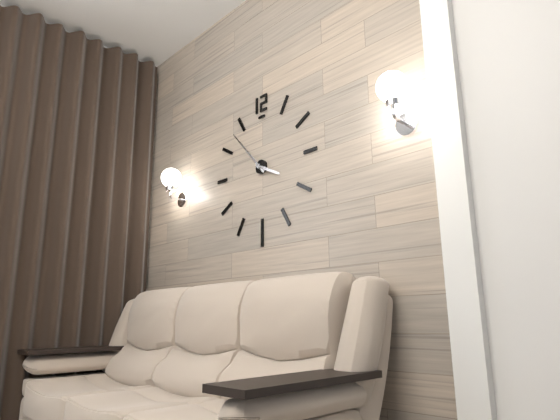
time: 3:53
